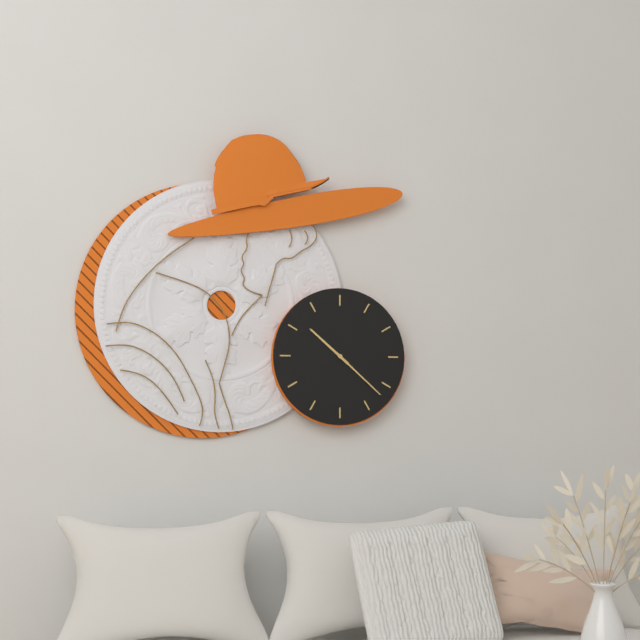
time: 10:22
